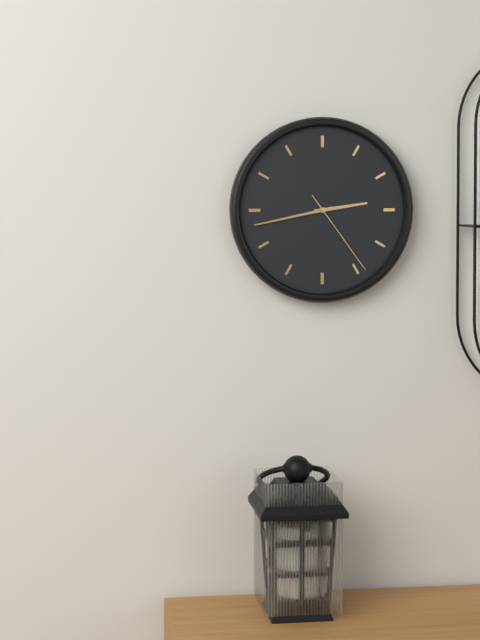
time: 2:43:24
